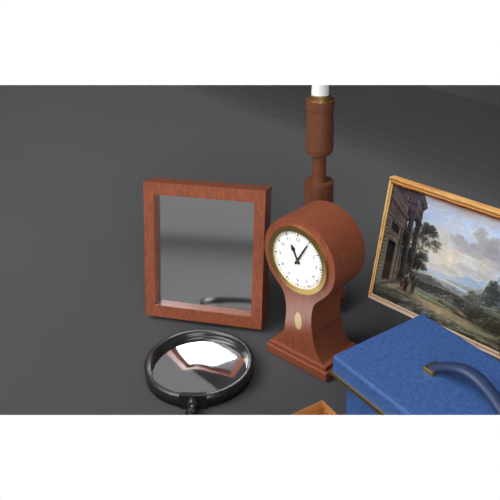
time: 11:05
